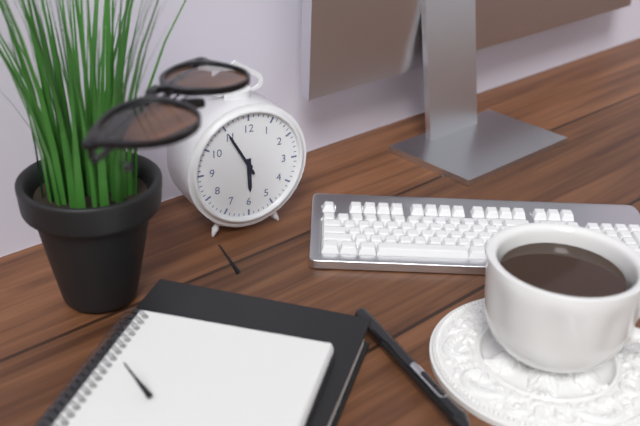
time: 5:55
